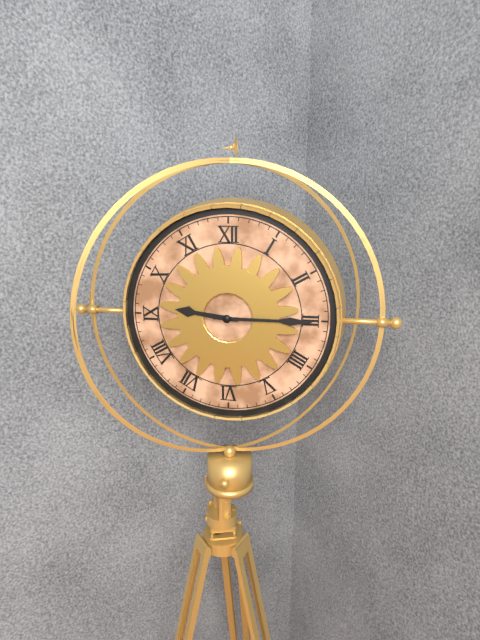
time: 9:15
